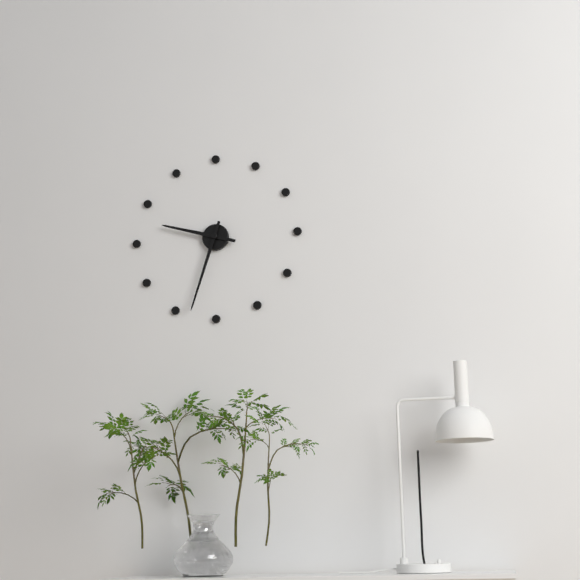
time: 9:33
